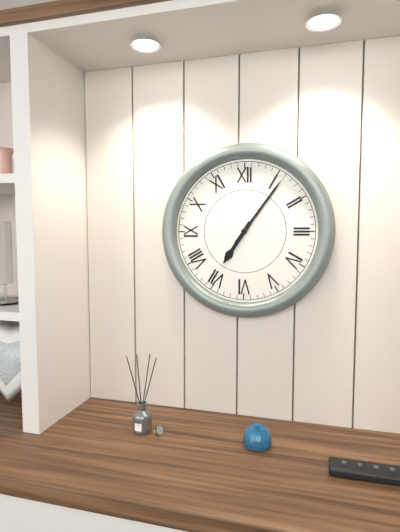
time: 7:06
